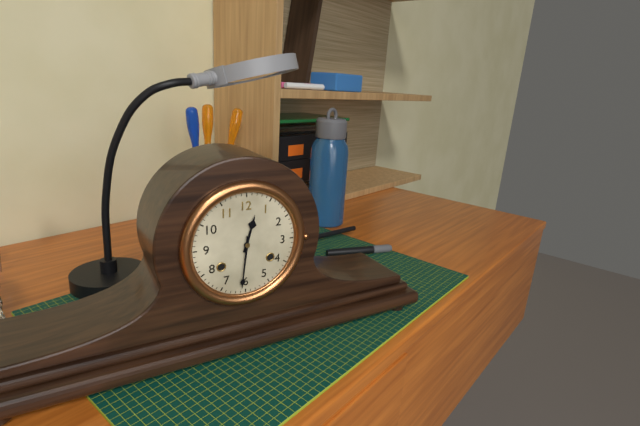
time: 12:31
